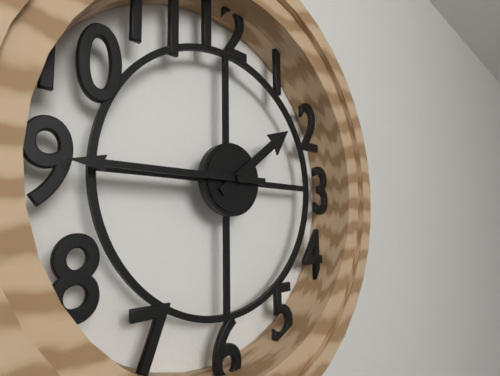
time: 1:45
